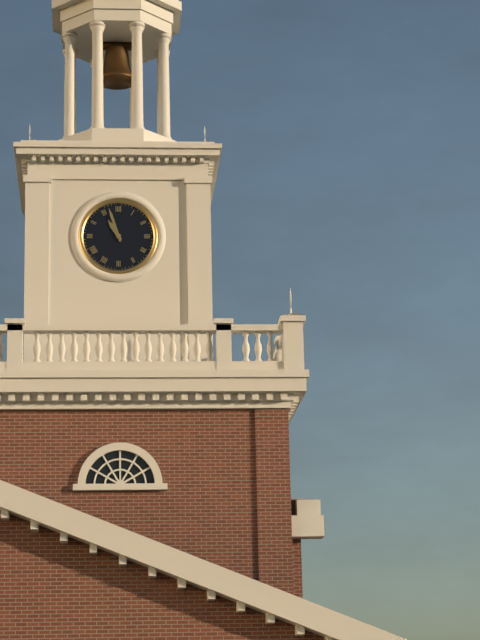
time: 10:57
